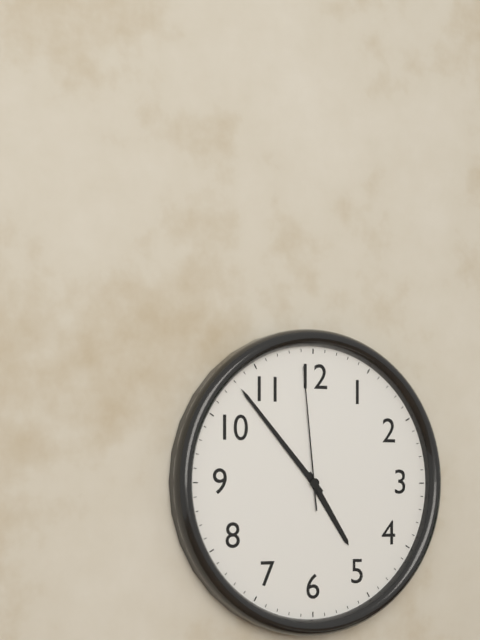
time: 4:53:59
